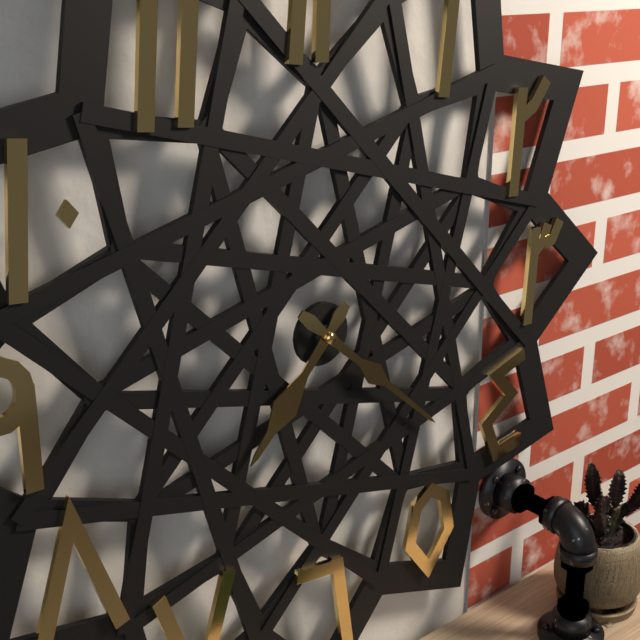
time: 7:22
